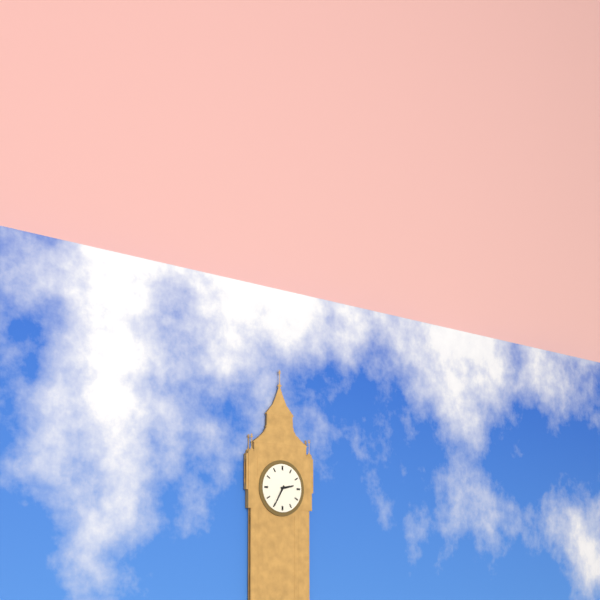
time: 2:35
